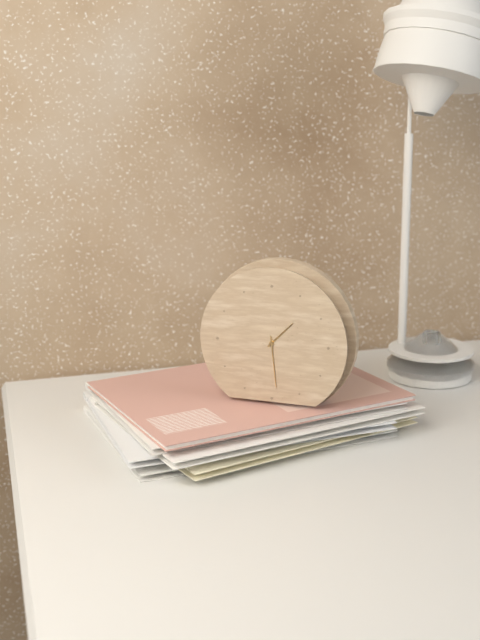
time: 1:29
